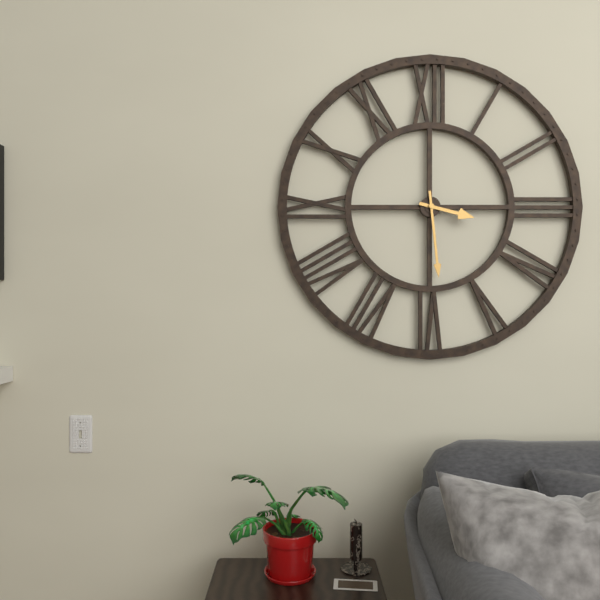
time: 3:29
